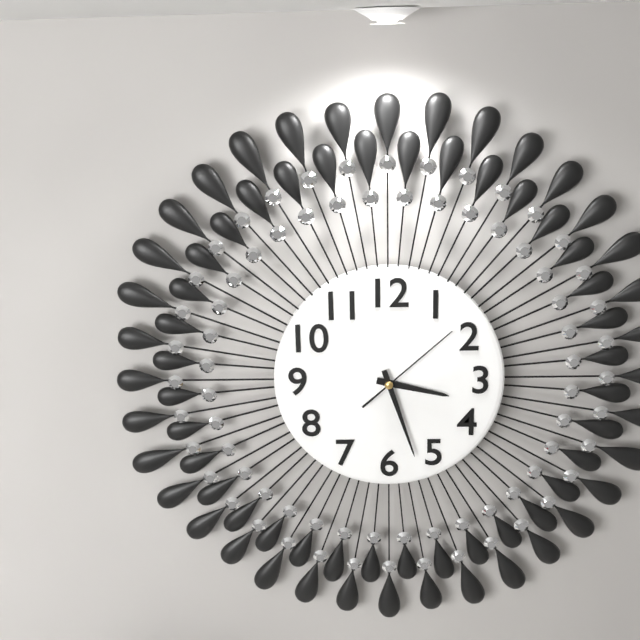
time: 3:27:08
